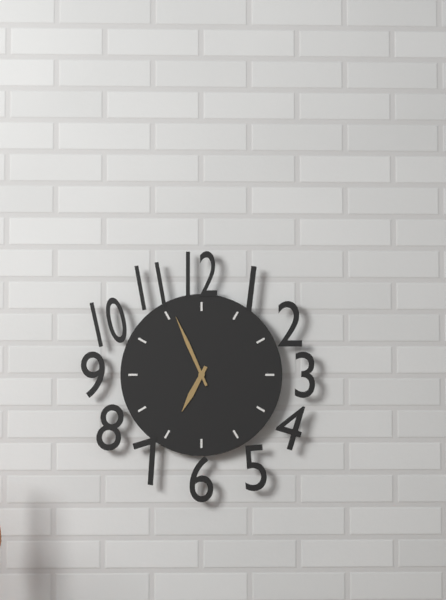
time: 6:56
